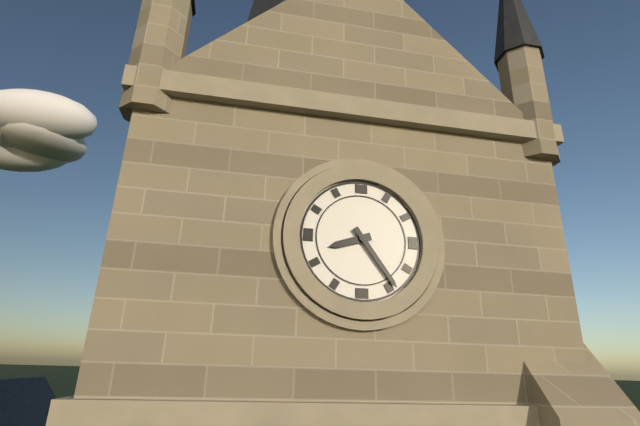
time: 8:24
